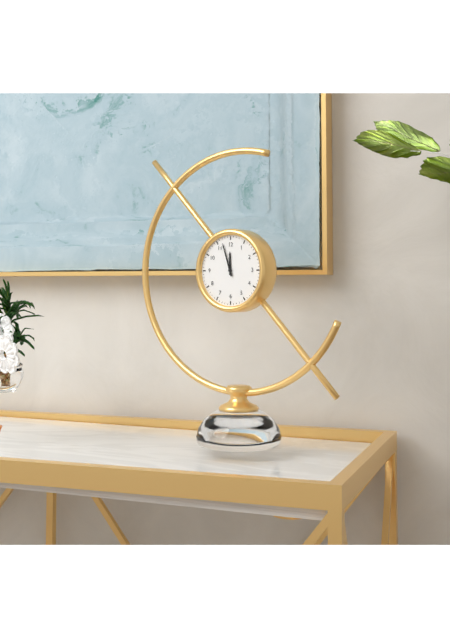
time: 11:57
